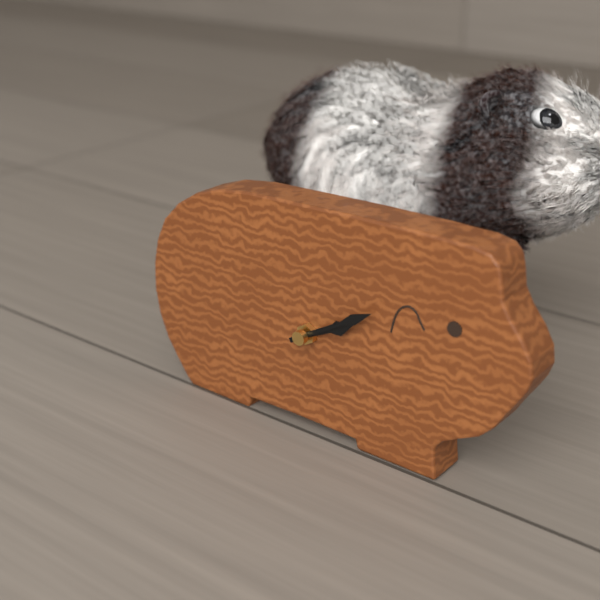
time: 2:10
